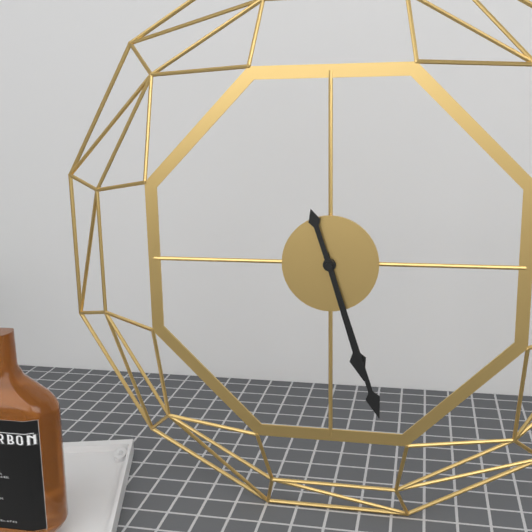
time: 5:27
